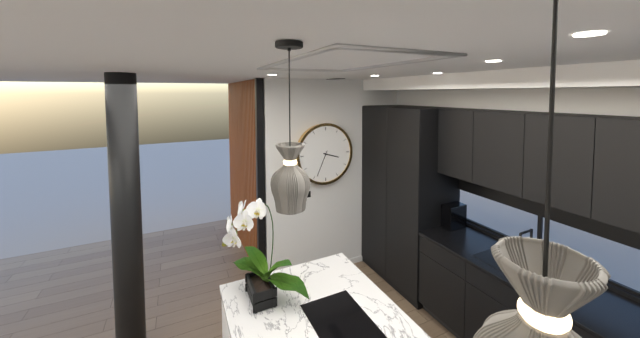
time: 3:34
